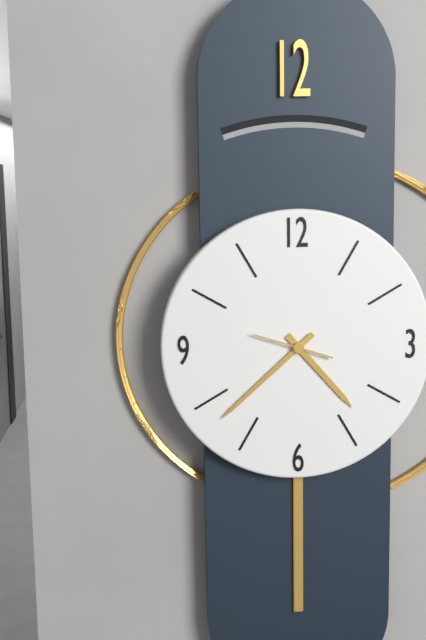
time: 4:38:48
